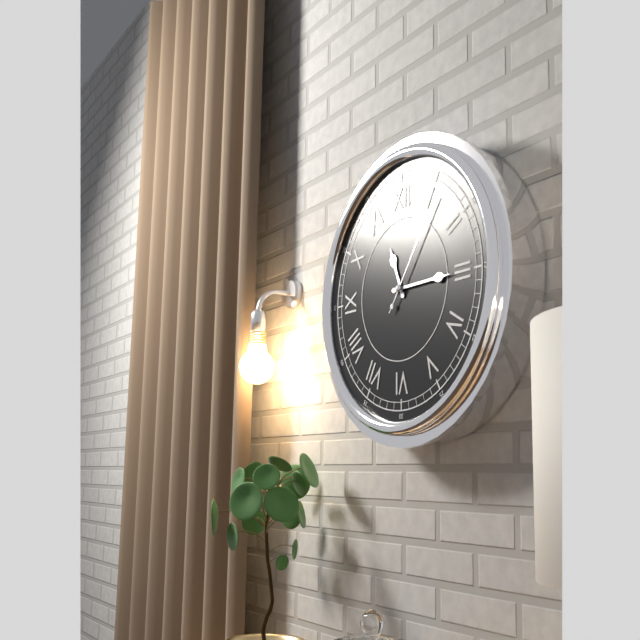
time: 11:15:06
